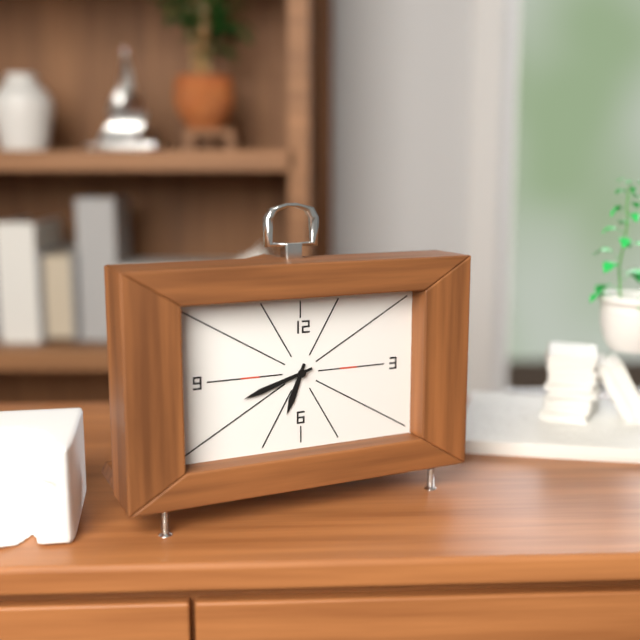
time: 6:42
